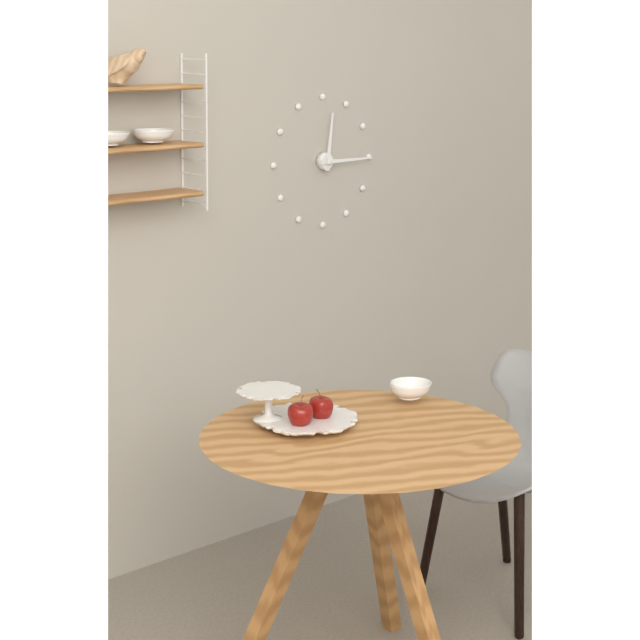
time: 12:15
